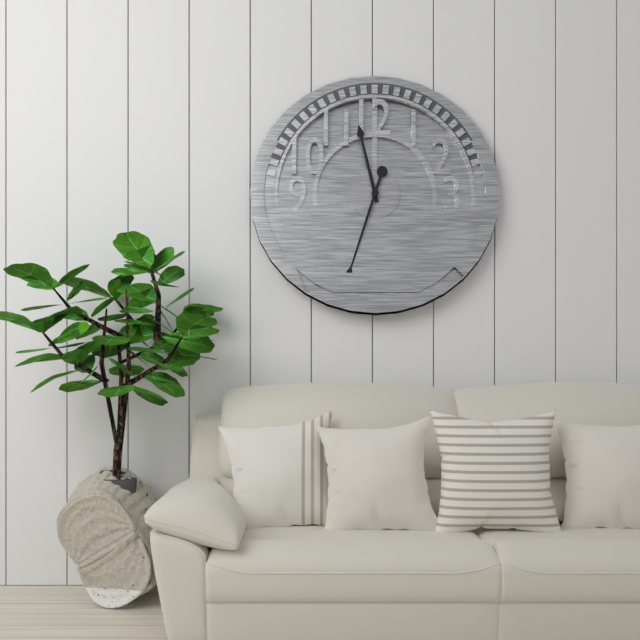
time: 11:33
